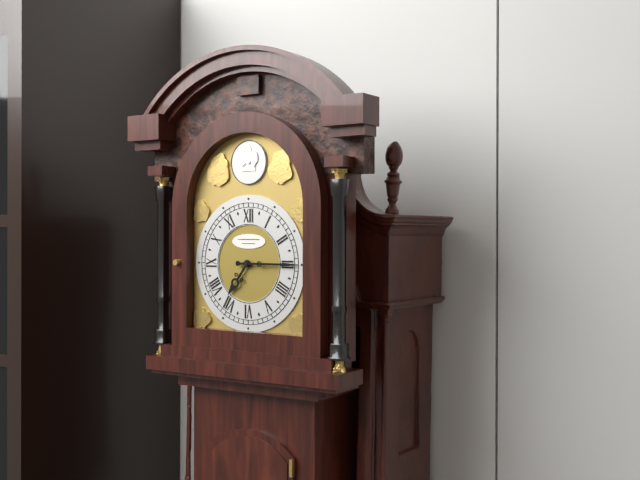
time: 7:15
